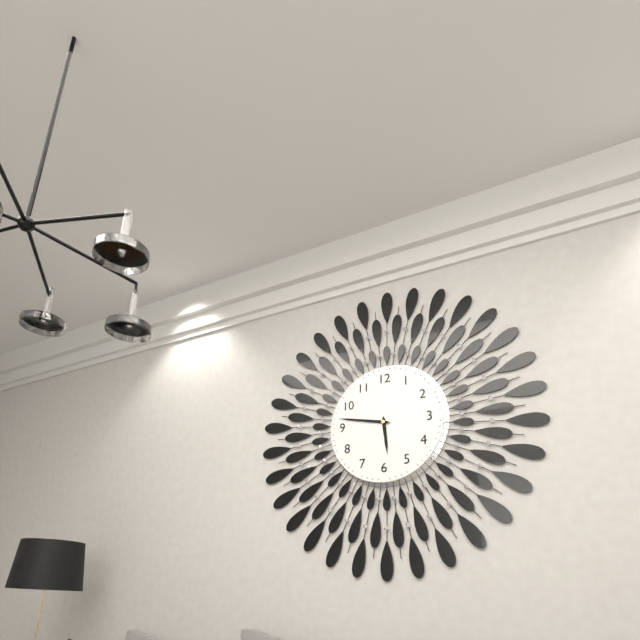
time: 5:47
